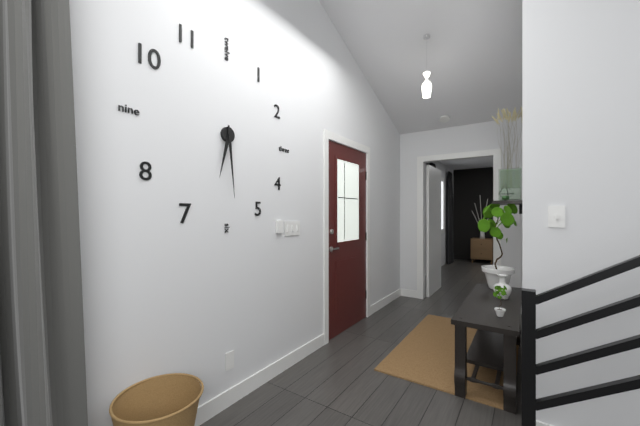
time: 6:29
